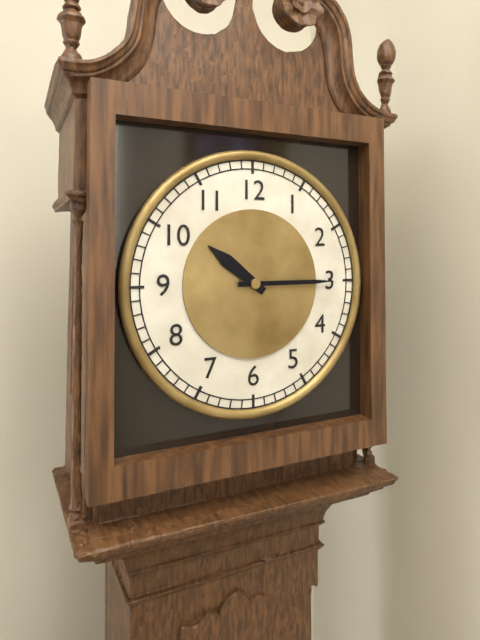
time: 10:15
